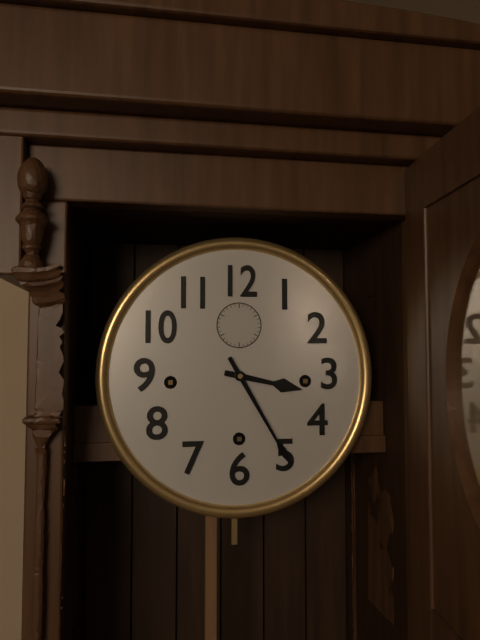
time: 3:25
